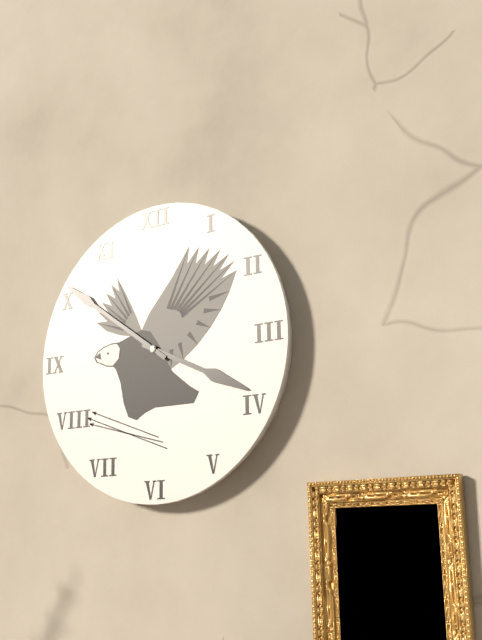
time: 3:51
